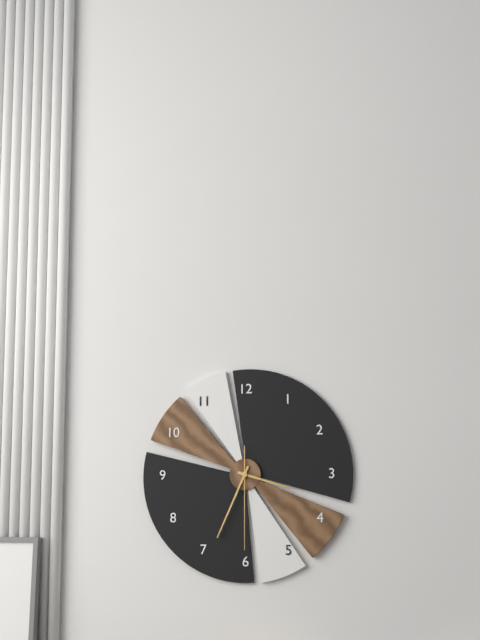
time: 3:34:30
